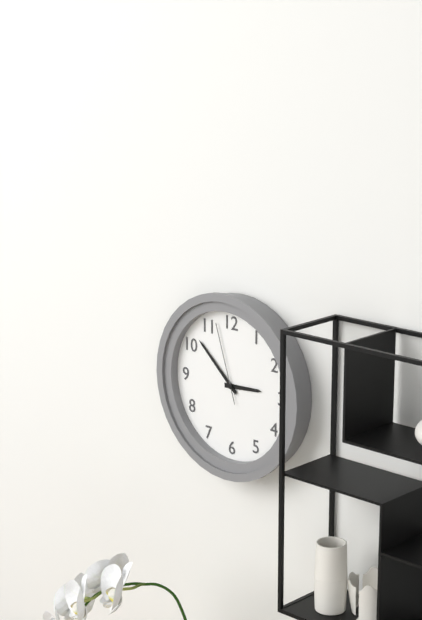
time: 2:52:57
